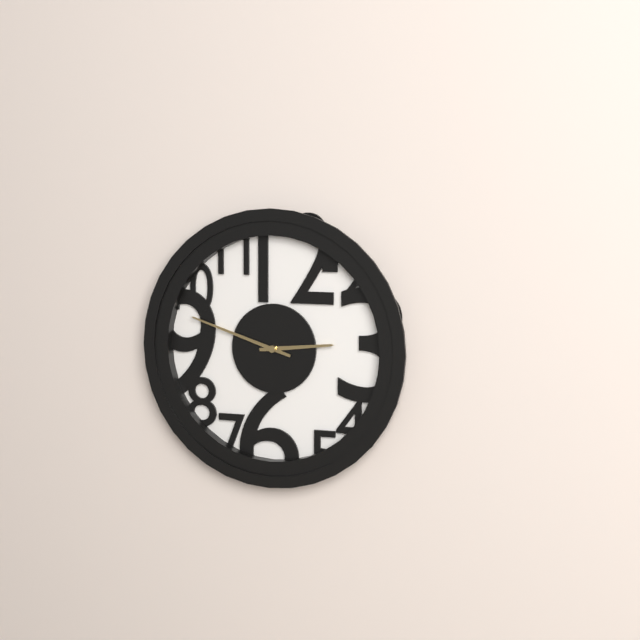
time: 2:48
